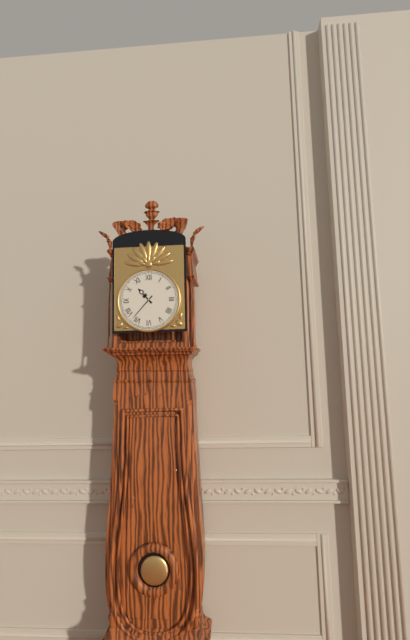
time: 10:37
